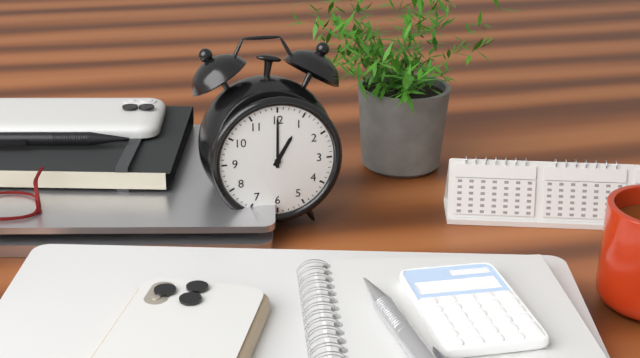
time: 1:00
